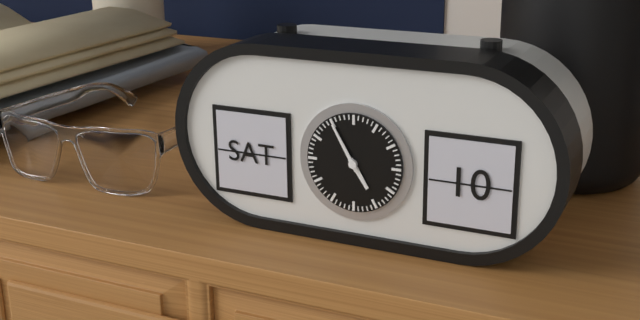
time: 4:55
